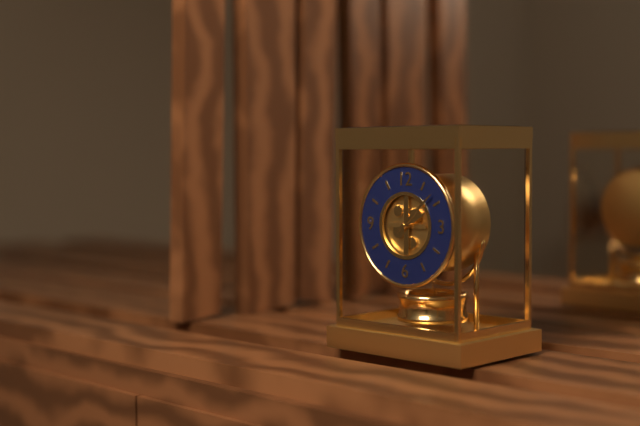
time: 2:08
